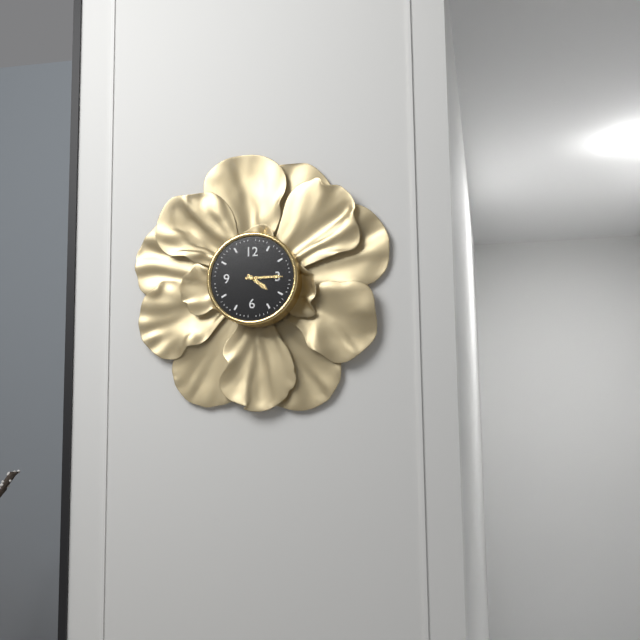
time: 4:15
